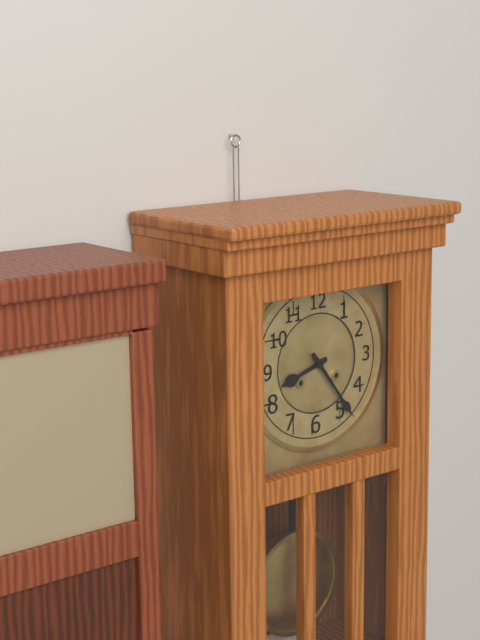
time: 8:24
